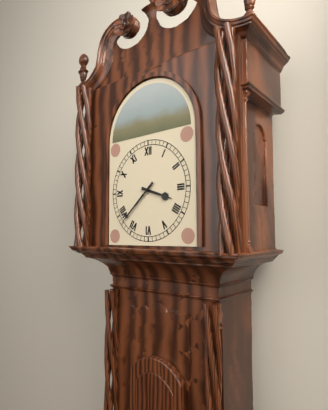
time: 3:38
